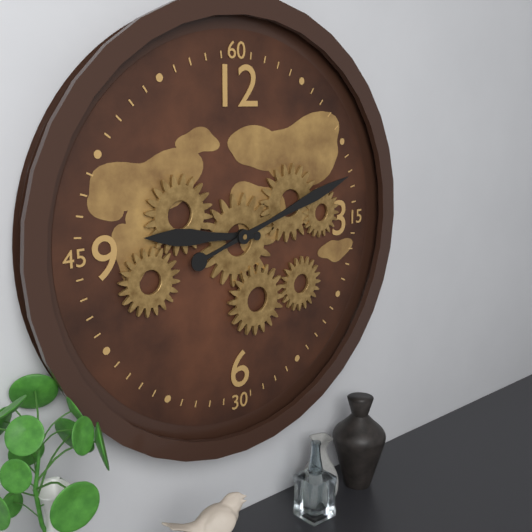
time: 9:12
